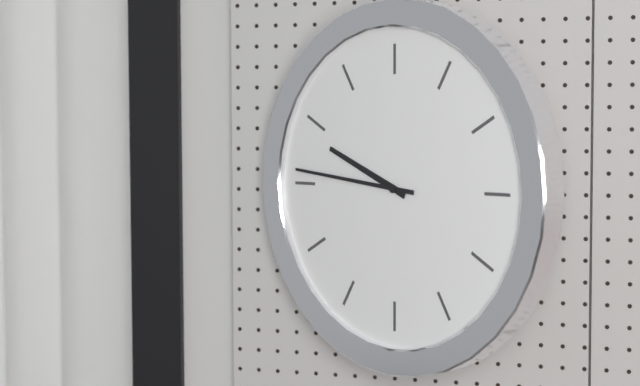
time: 9:46
